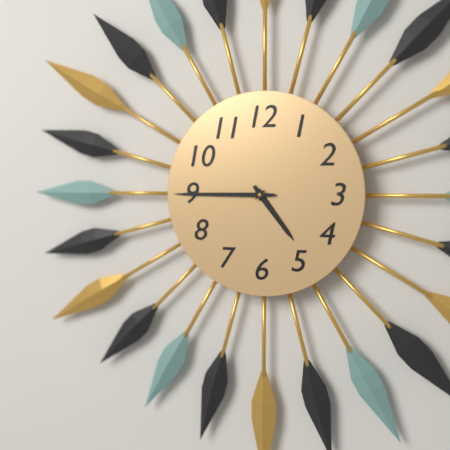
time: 4:45
